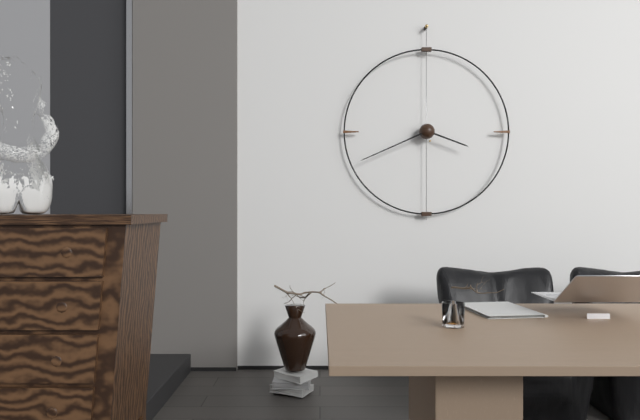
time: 3:41
